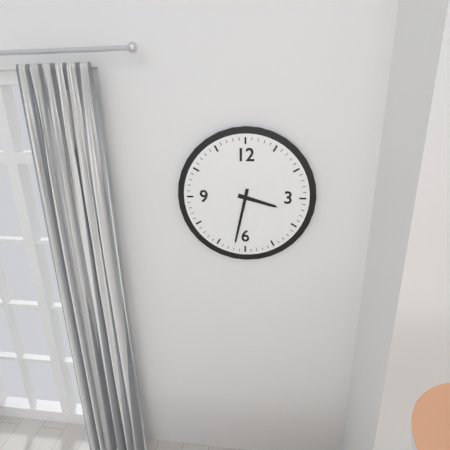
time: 3:32
